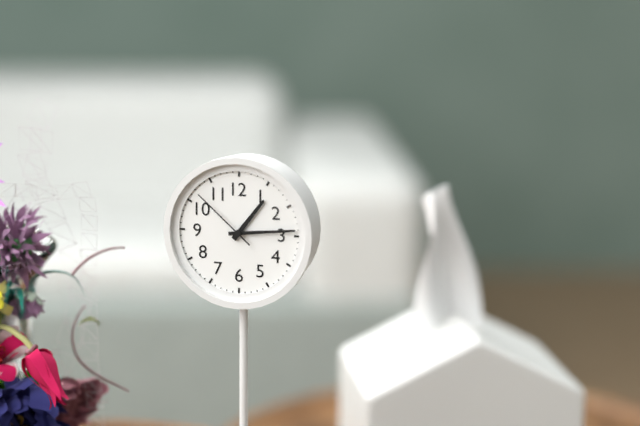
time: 1:14:52
